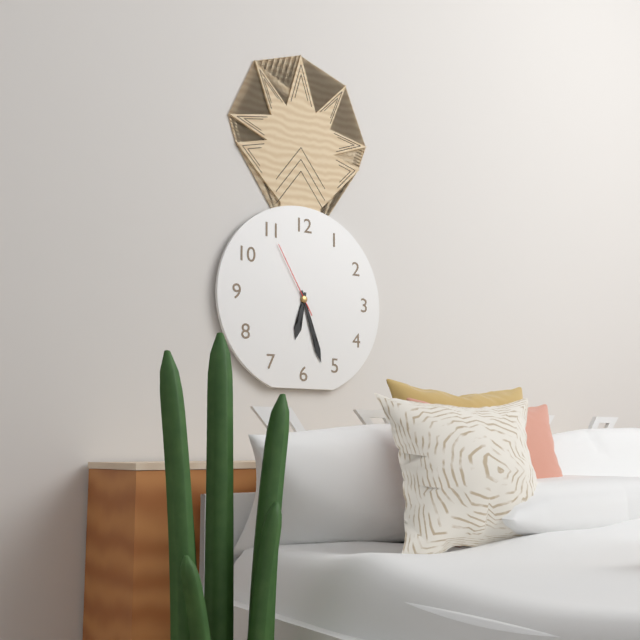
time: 6:27:55
